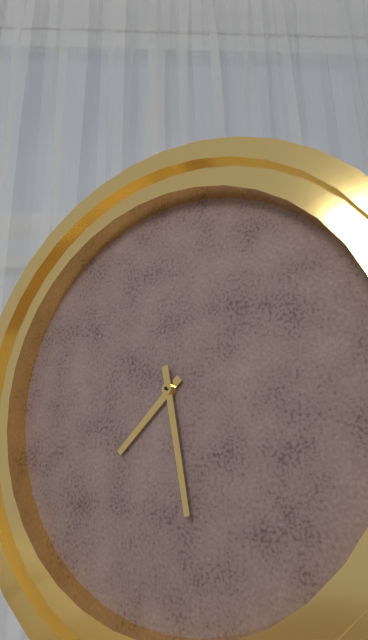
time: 7:28
